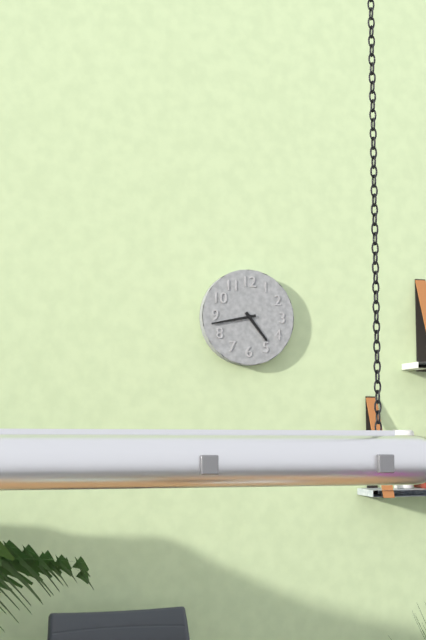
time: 4:43
